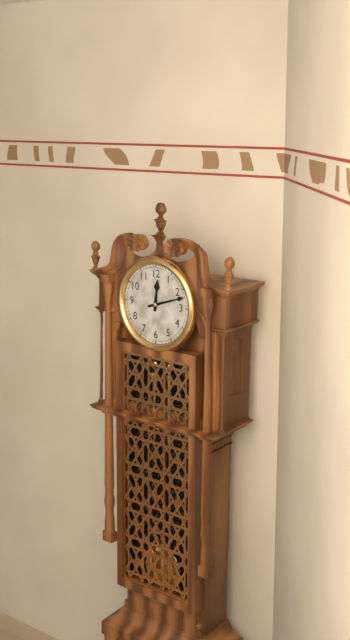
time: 12:12
